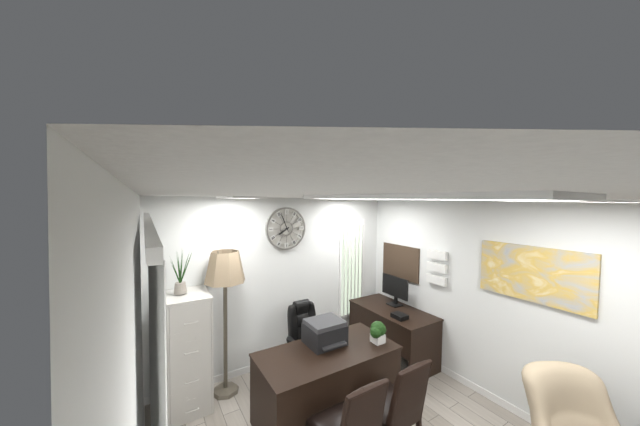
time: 7:56
